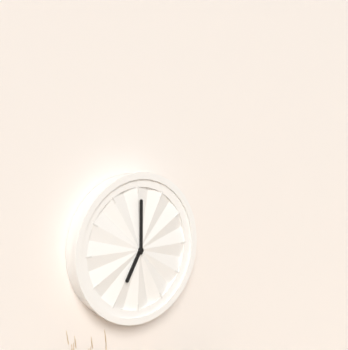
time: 7:00
